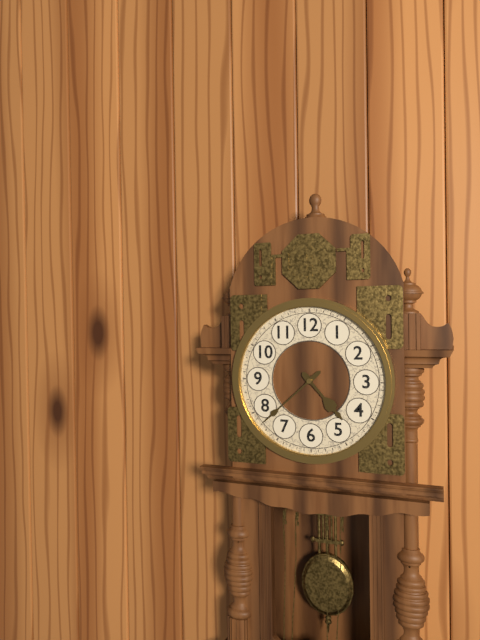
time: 4:38
